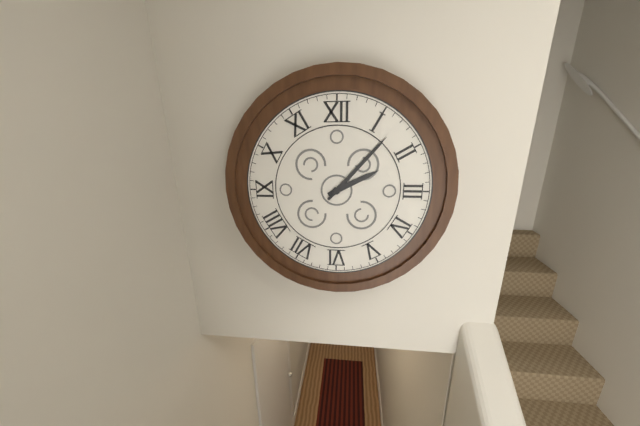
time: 2:07
